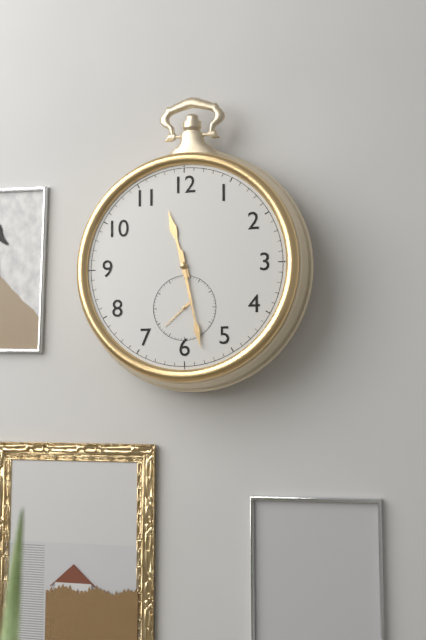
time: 11:28
